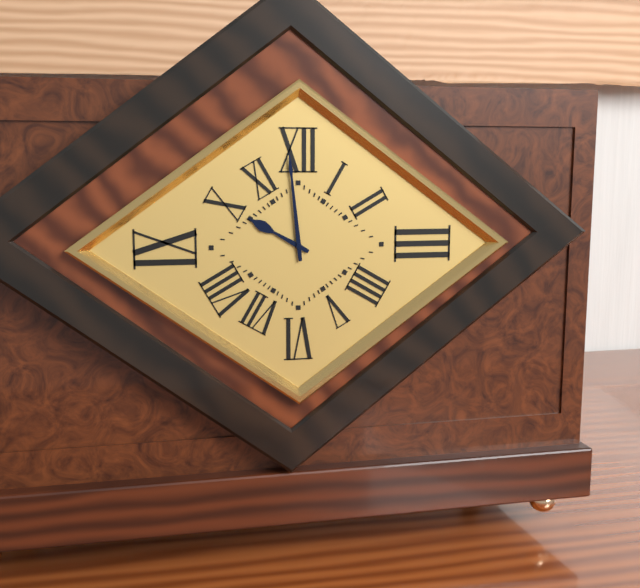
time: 9:59
